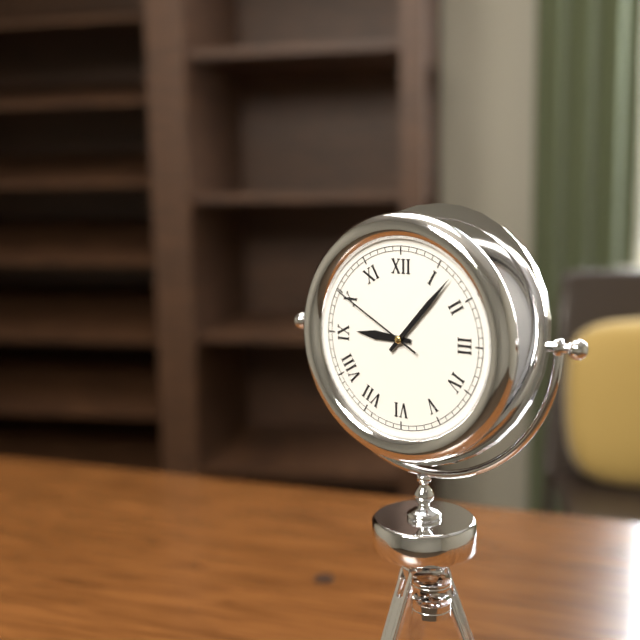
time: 9:07:50
